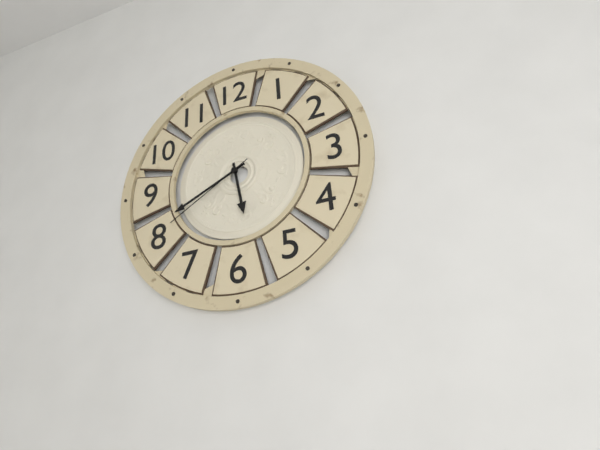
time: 5:41:40
